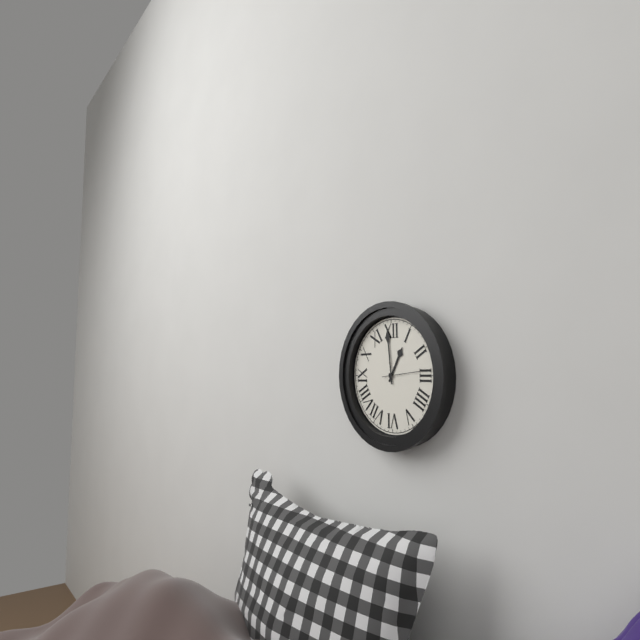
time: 12:59
